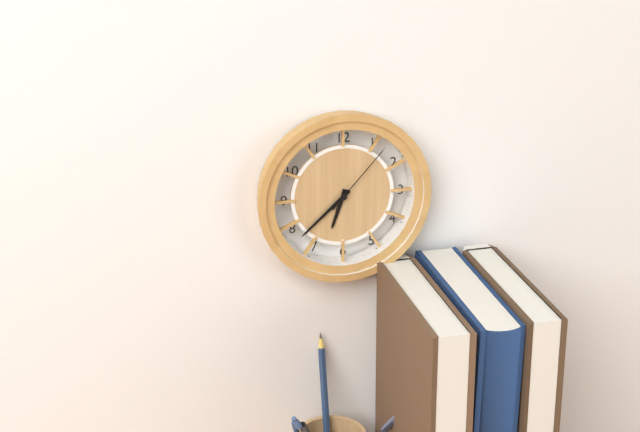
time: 6:38:07
